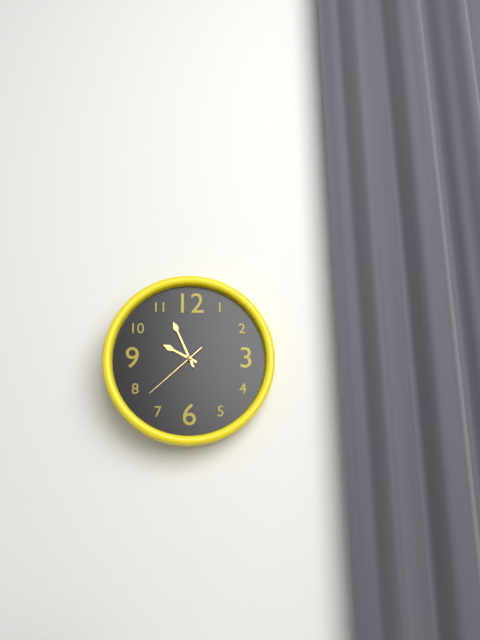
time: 9:56:38
